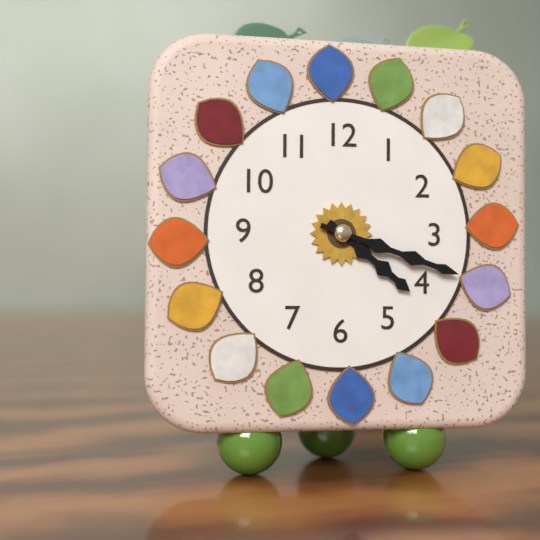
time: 4:18
